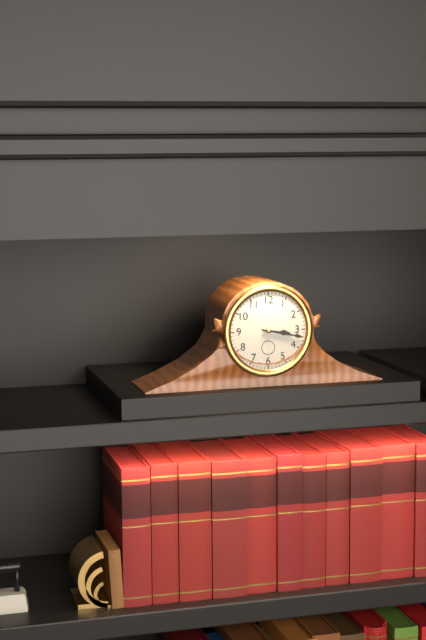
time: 3:17
